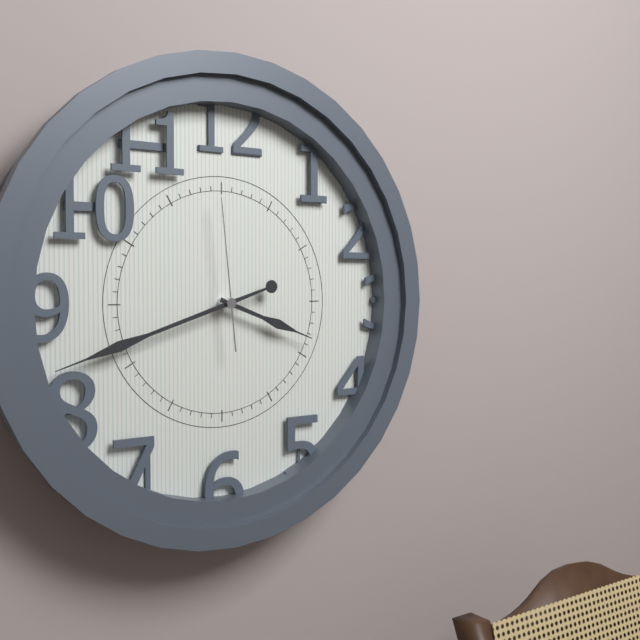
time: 3:42:59
